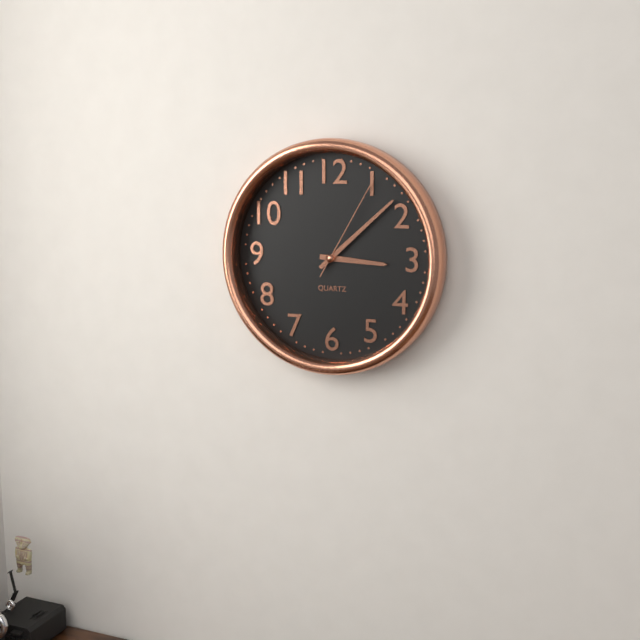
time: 3:08:05
